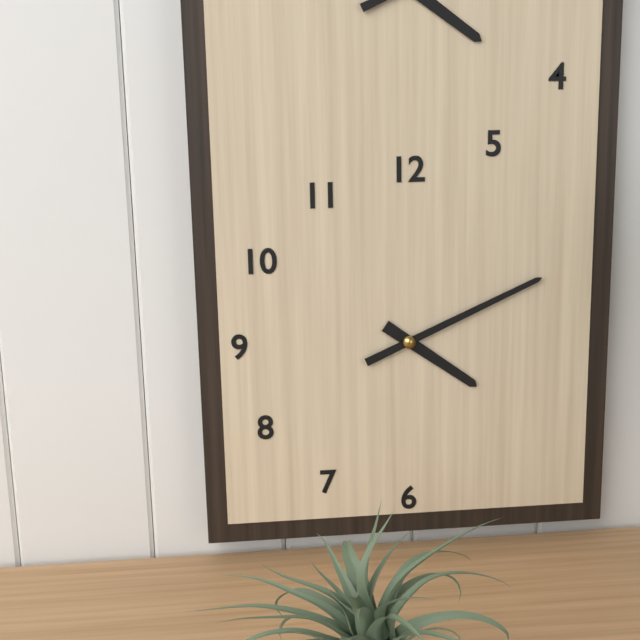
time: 4:11
